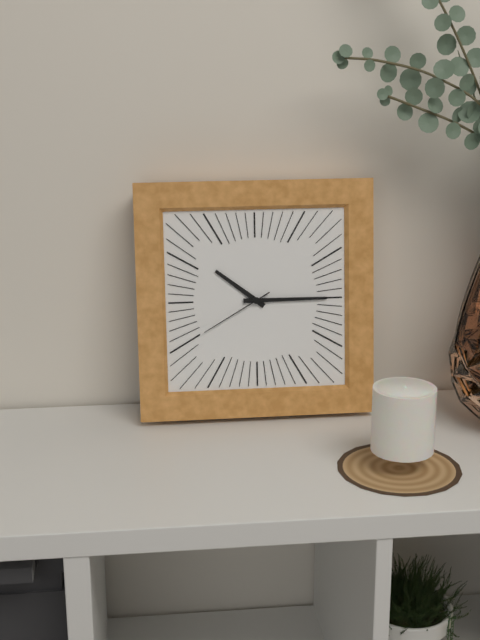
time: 10:15:40
